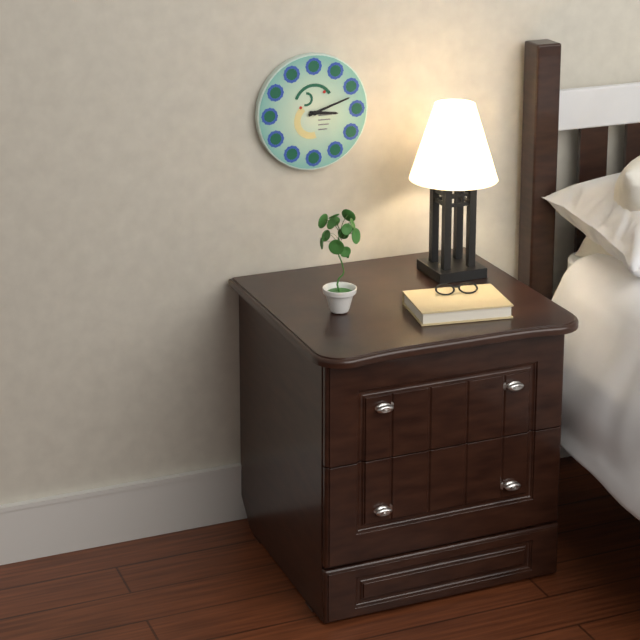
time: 3:12
